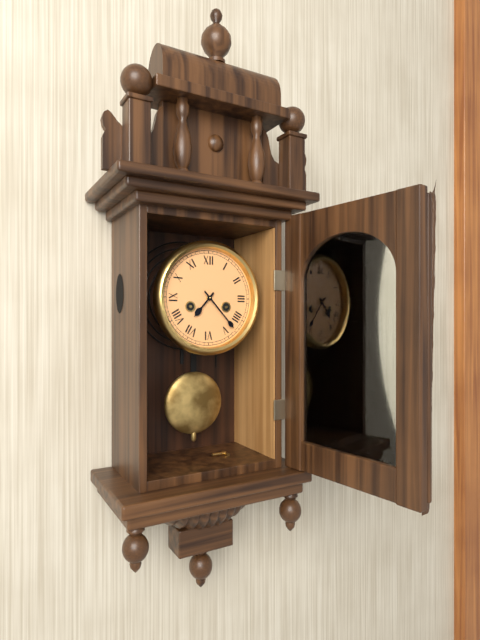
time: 7:23
